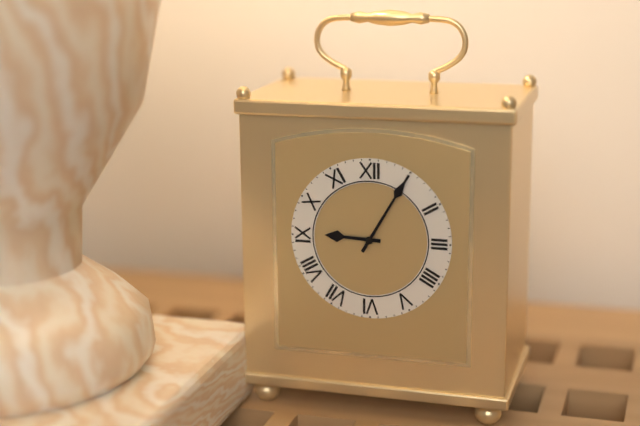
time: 9:05
